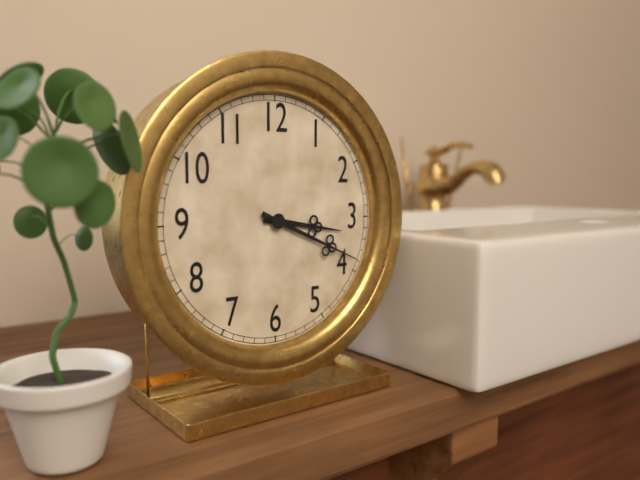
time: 3:19
